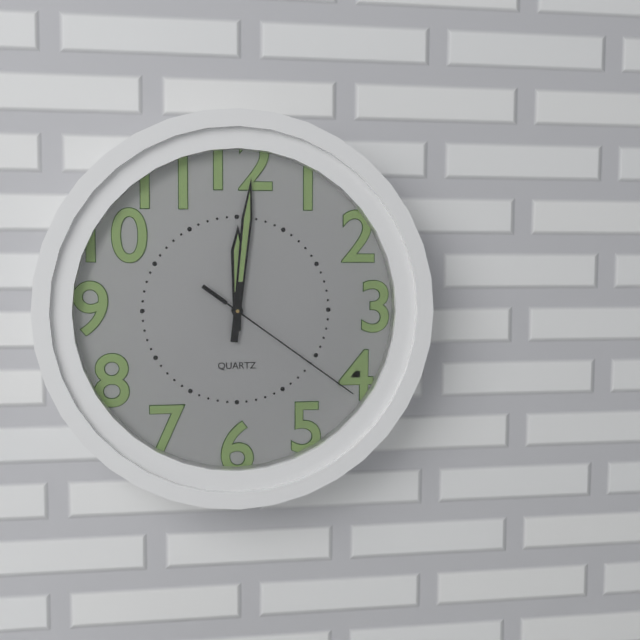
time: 12:01:21
